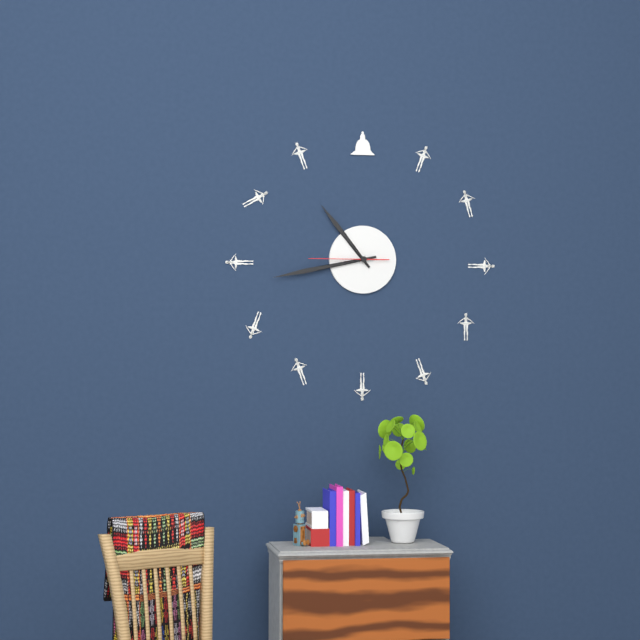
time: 10:43:45
